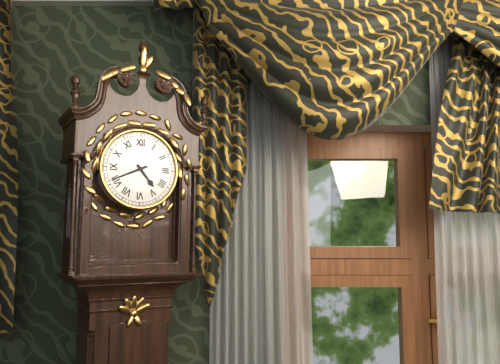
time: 4:41
